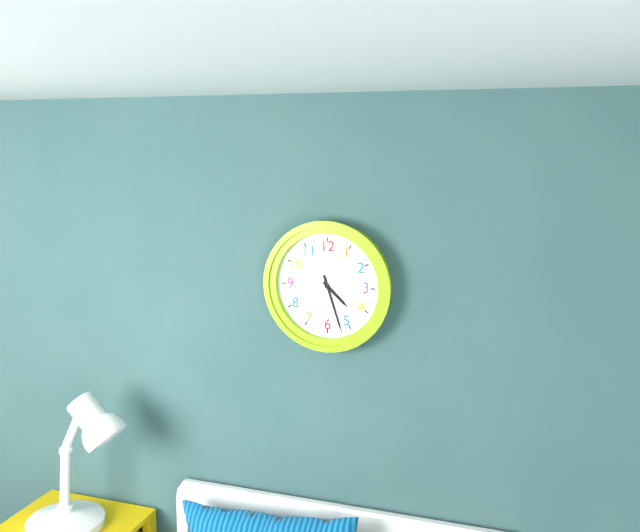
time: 4:27
